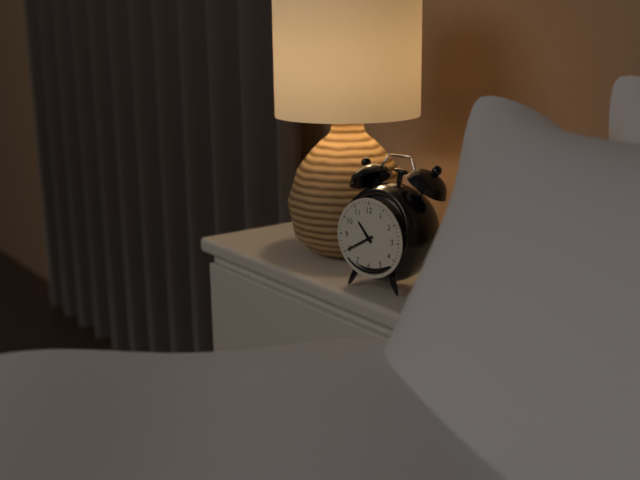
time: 10:40
